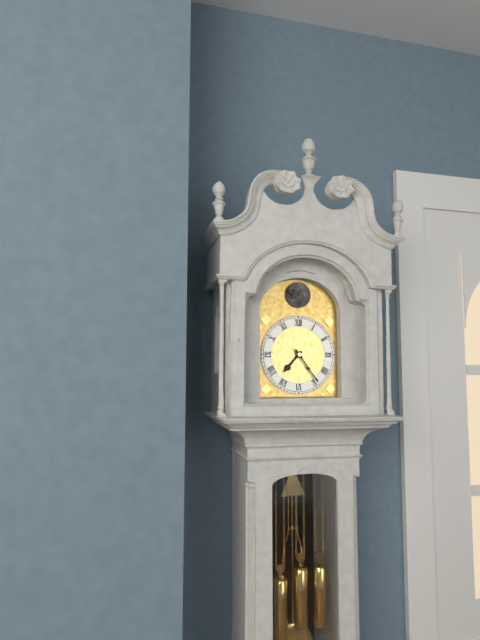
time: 7:24
